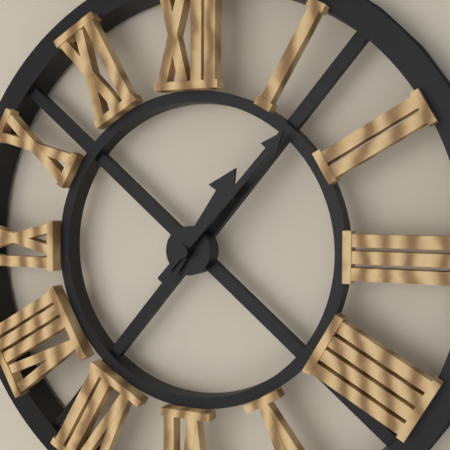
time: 1:07
